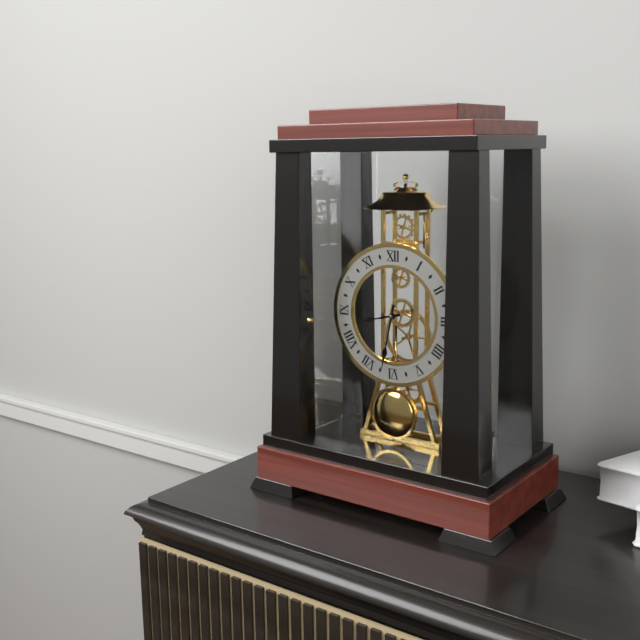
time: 8:32
